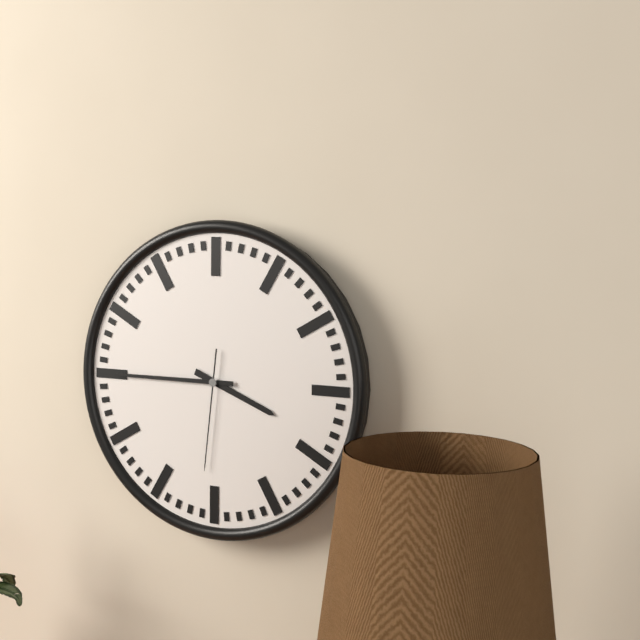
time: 3:45:31
